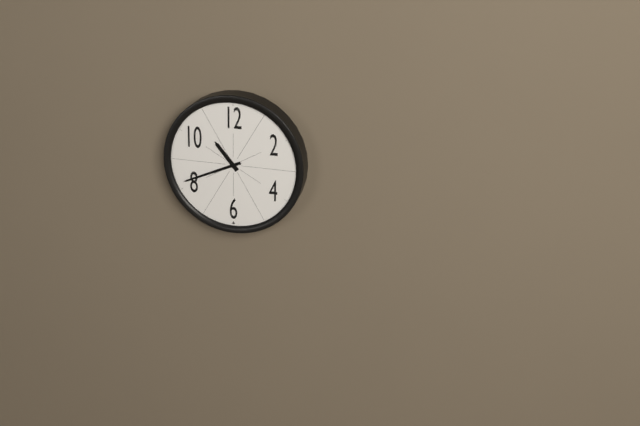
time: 10:41
